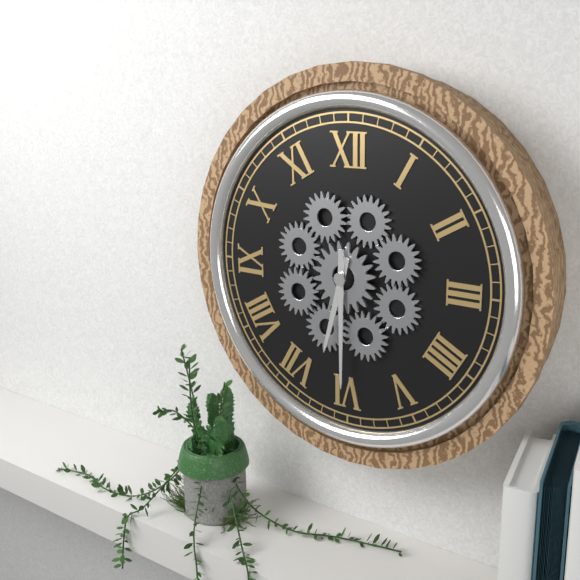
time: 6:30
